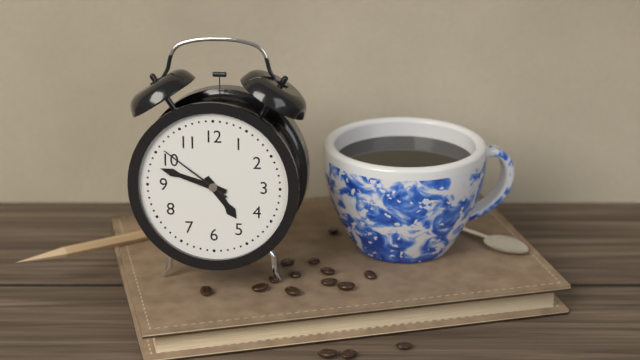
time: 4:48:51
